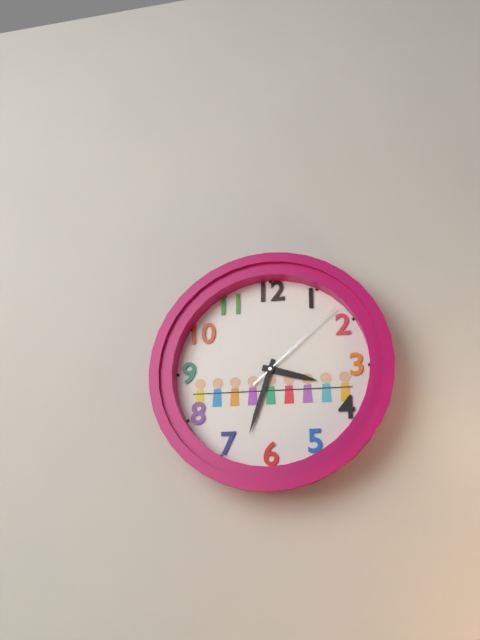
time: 3:33:08
